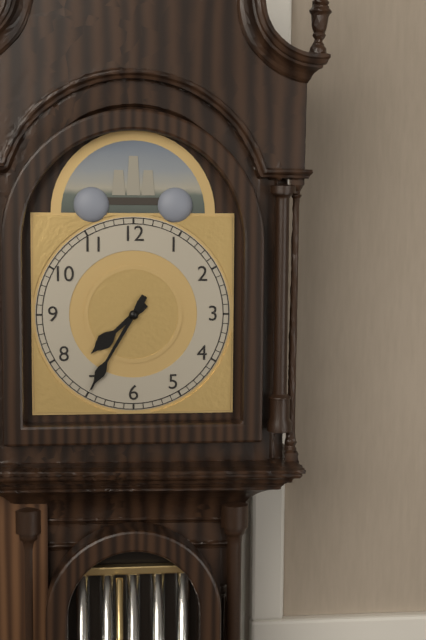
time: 7:35
